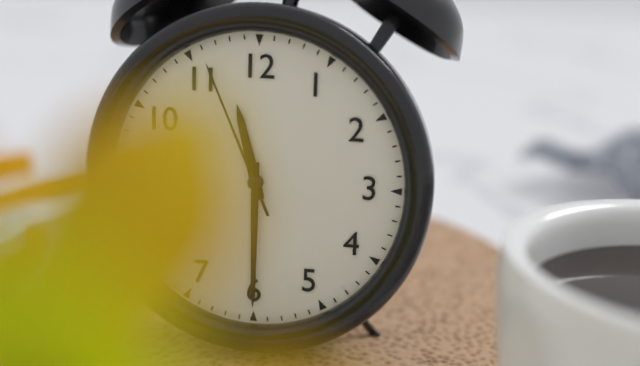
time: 11:30:56
